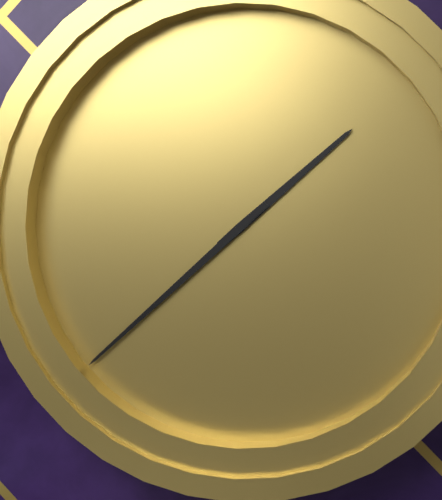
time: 1:38
